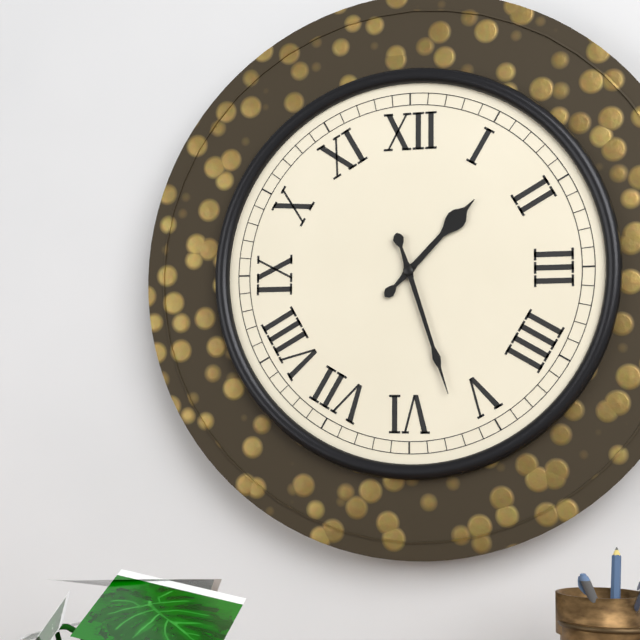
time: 1:27
